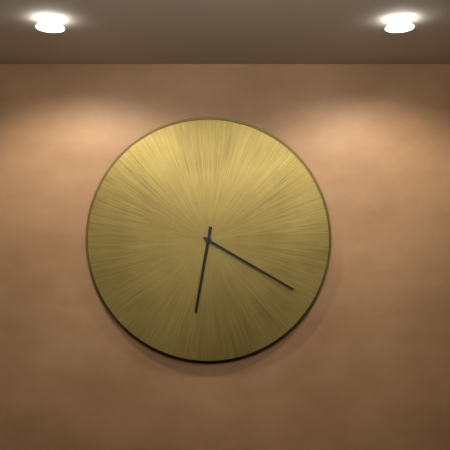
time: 6:20
